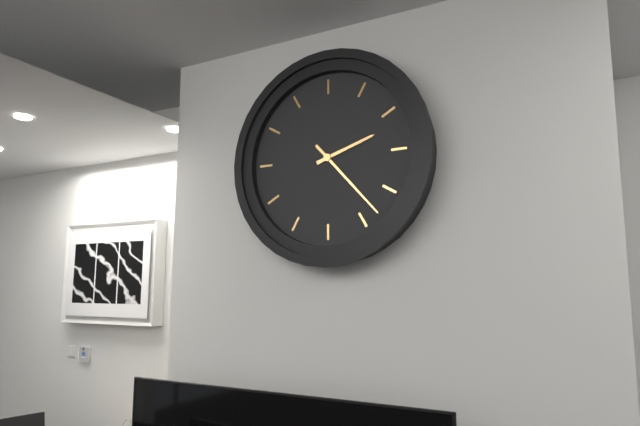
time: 2:23
